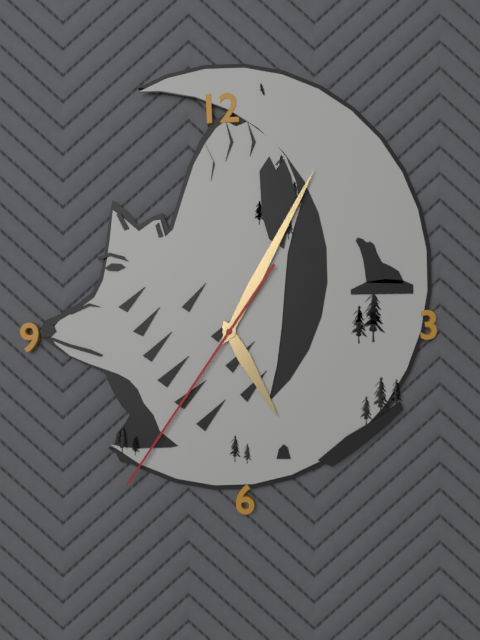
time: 5:05:36
